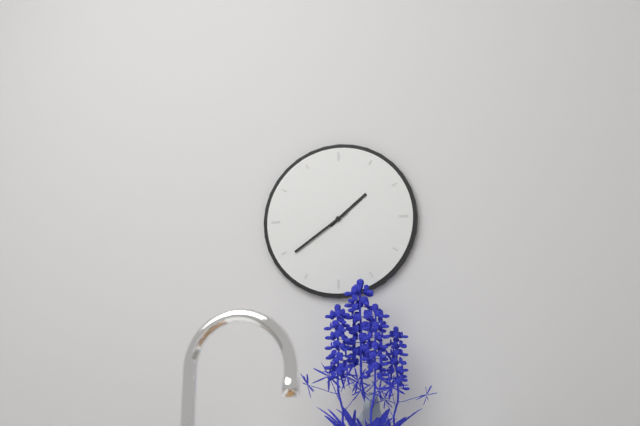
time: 1:39
